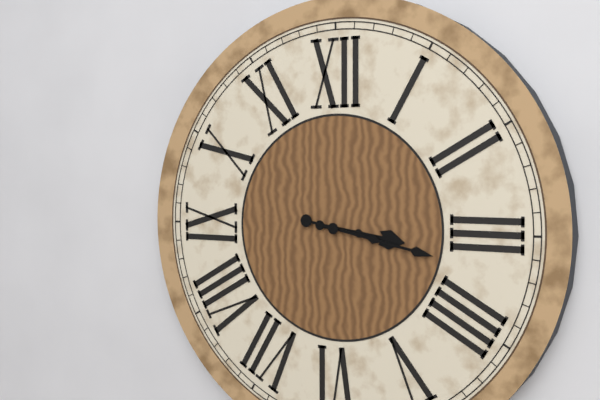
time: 3:17
